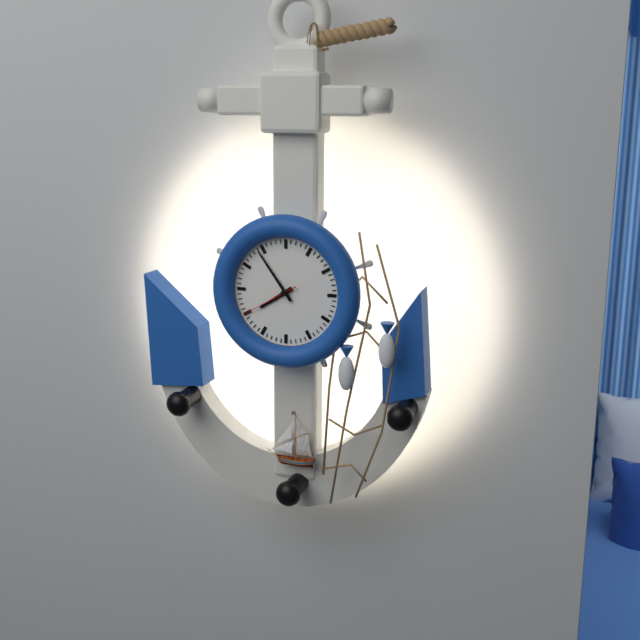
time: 7:54:40
